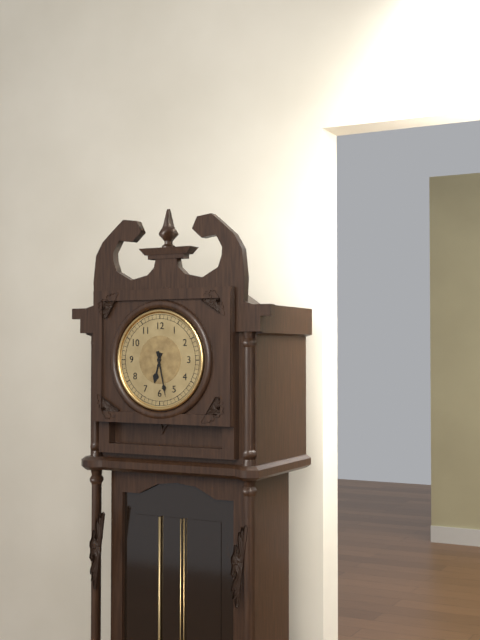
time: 6:28
